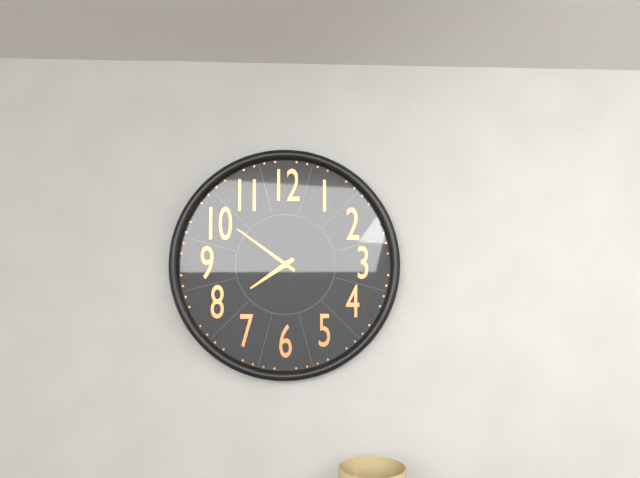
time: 7:51
